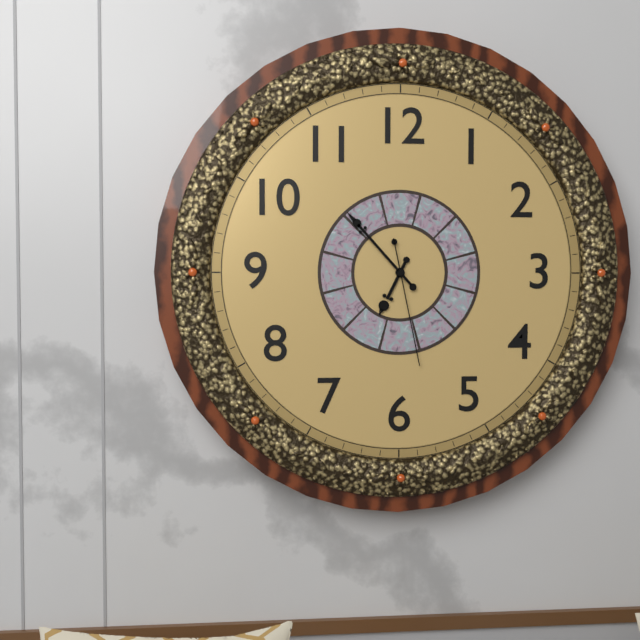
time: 6:53:28
